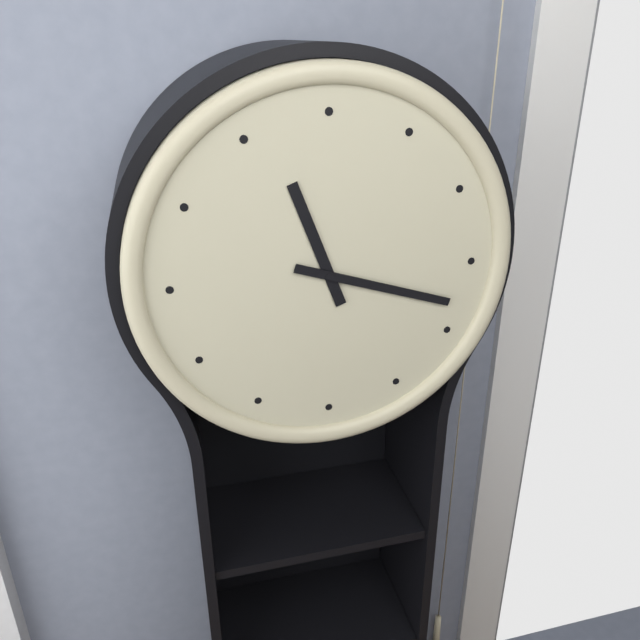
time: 11:18
